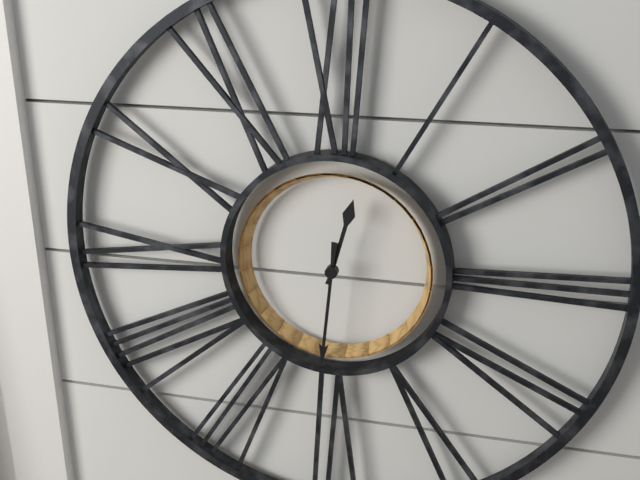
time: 12:31
